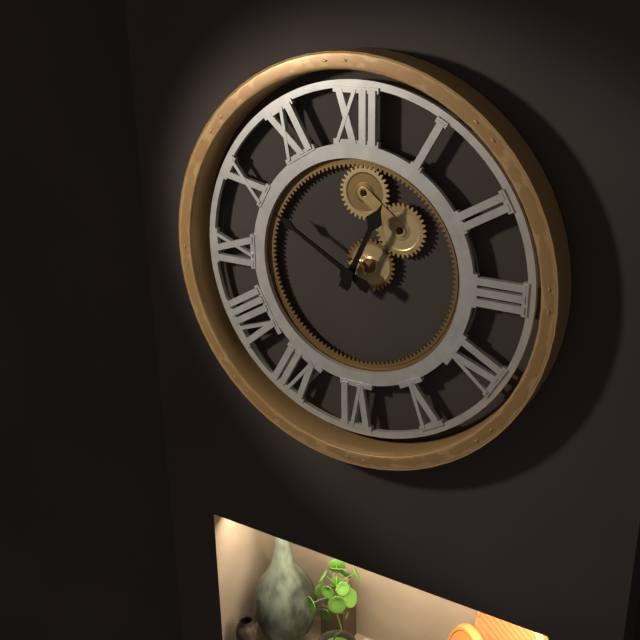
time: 12:50
